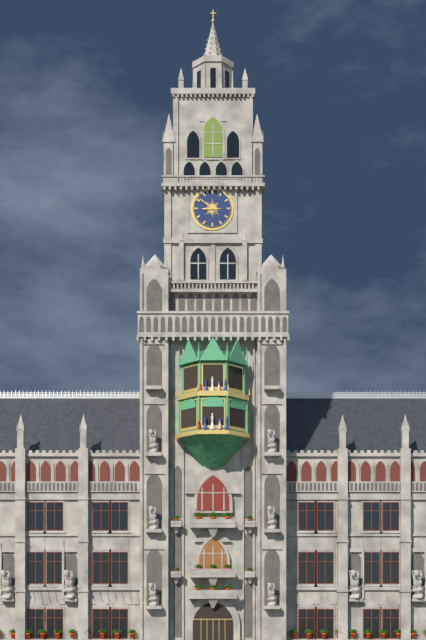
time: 8:51
